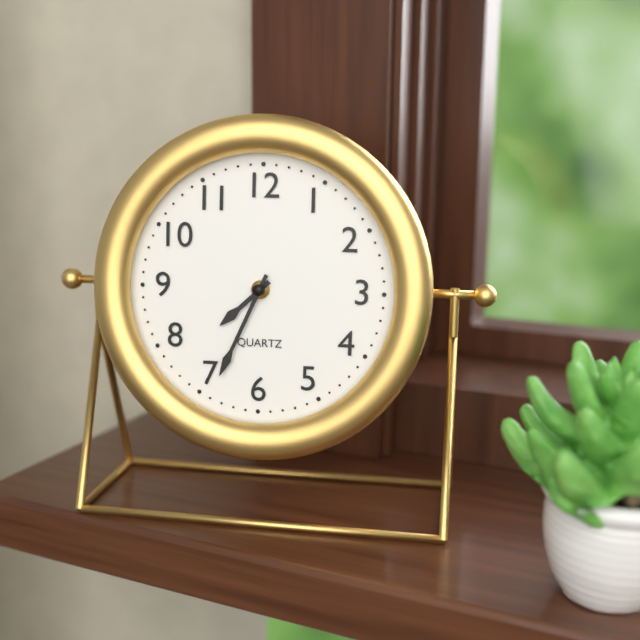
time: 7:34
